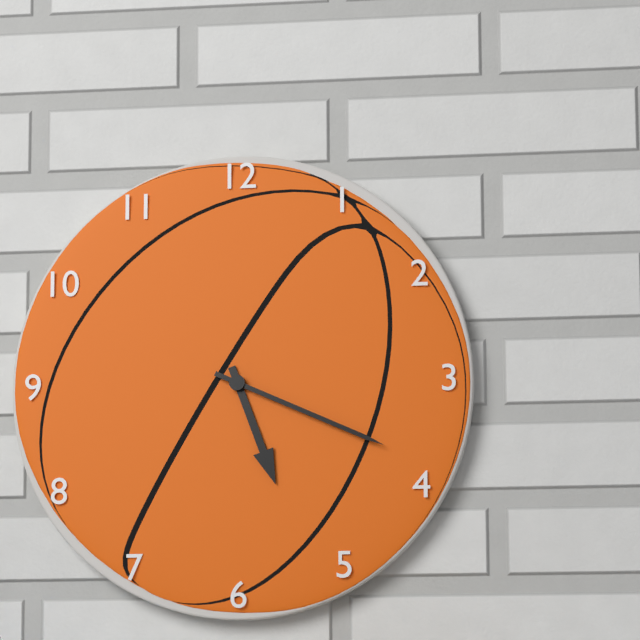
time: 5:19
